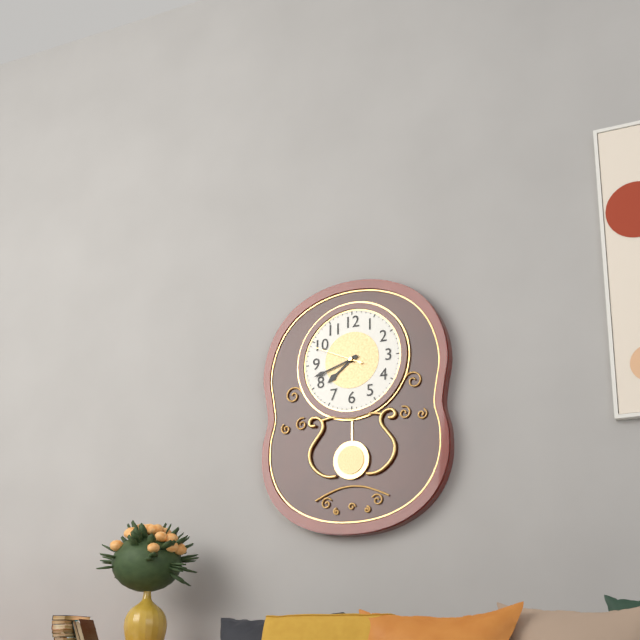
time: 7:42:49
